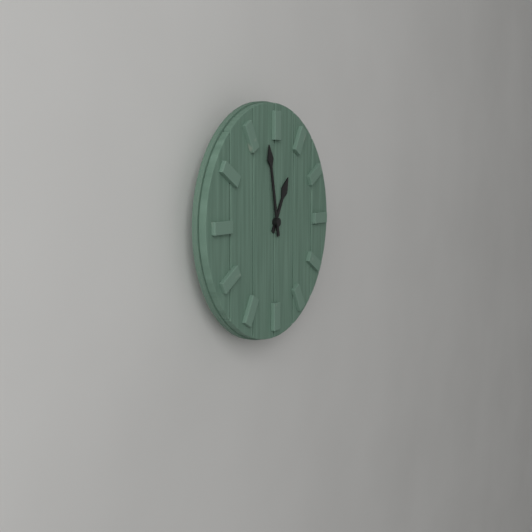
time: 12:58
